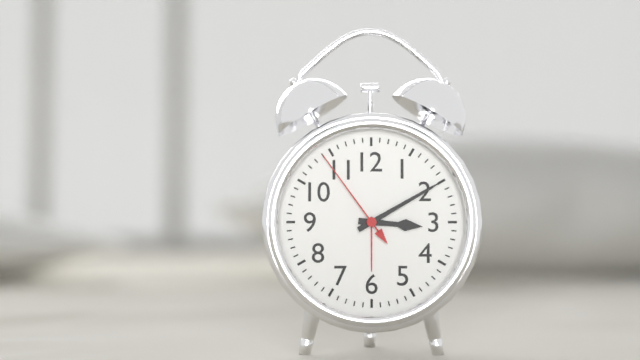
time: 3:10:54
